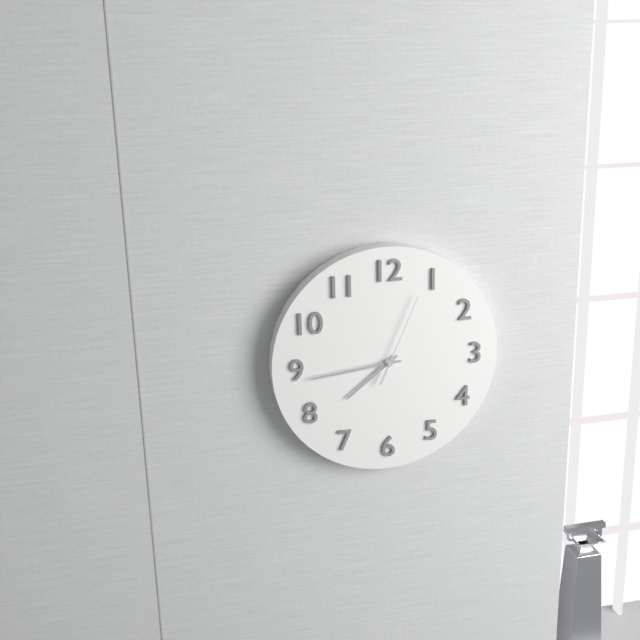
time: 7:44:04
